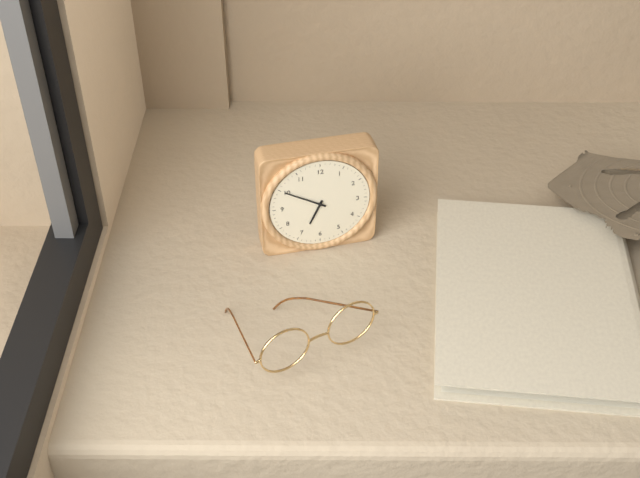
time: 6:50
